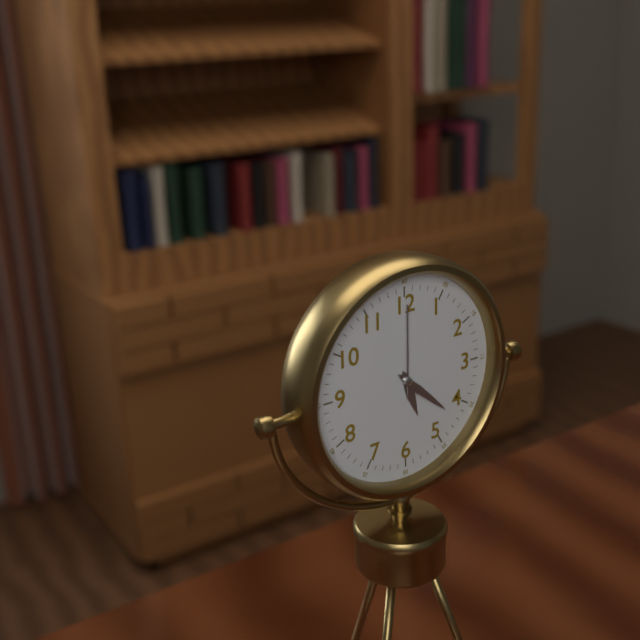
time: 5:22:00
